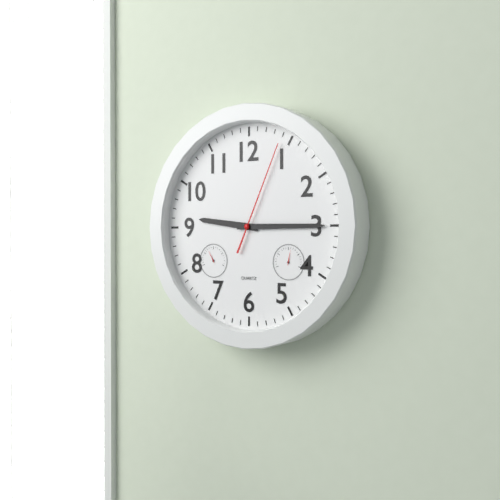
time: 9:15:04
